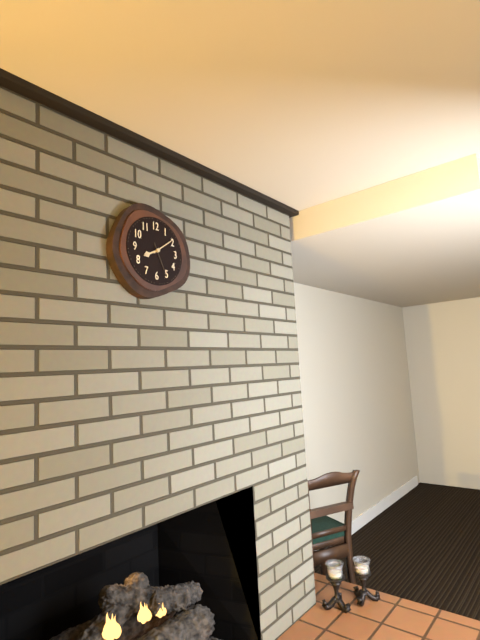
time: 8:09
